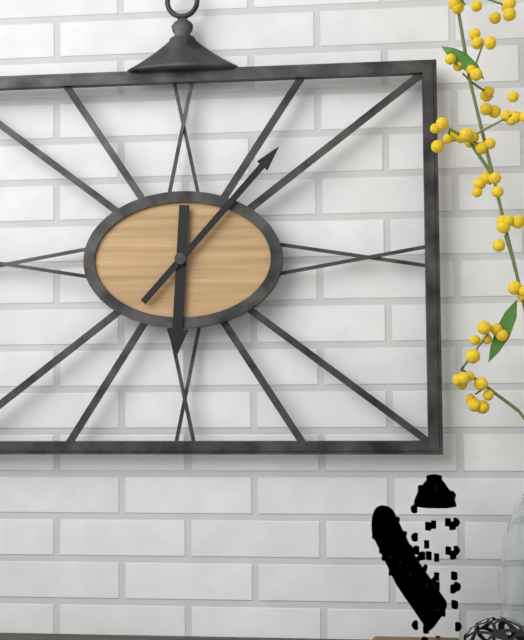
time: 6:07
